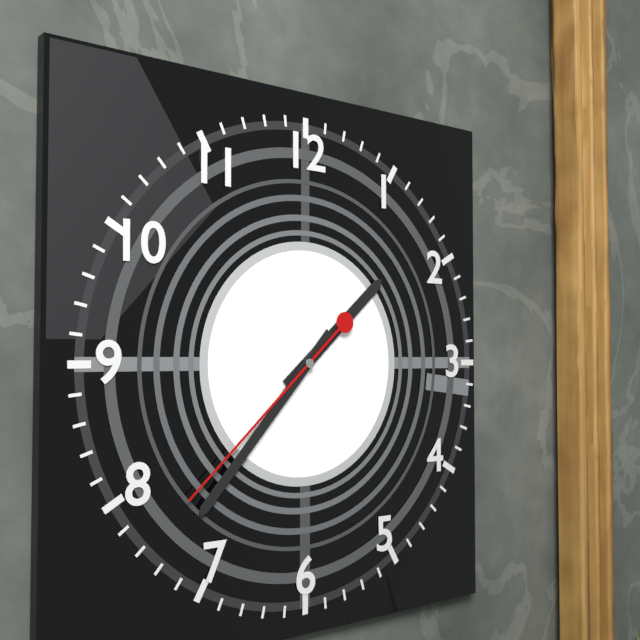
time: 1:37:38
